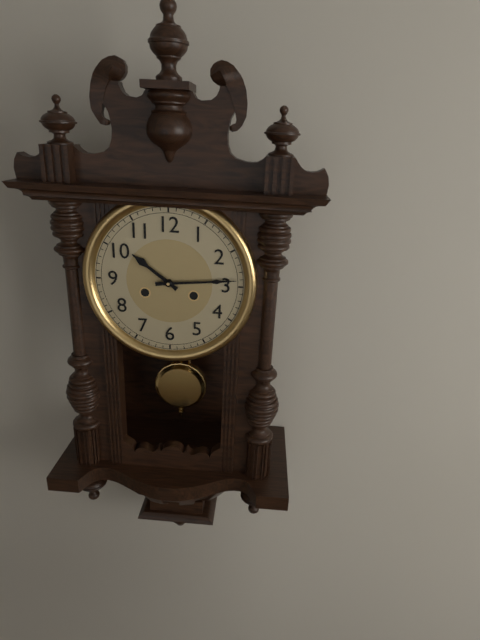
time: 10:14
